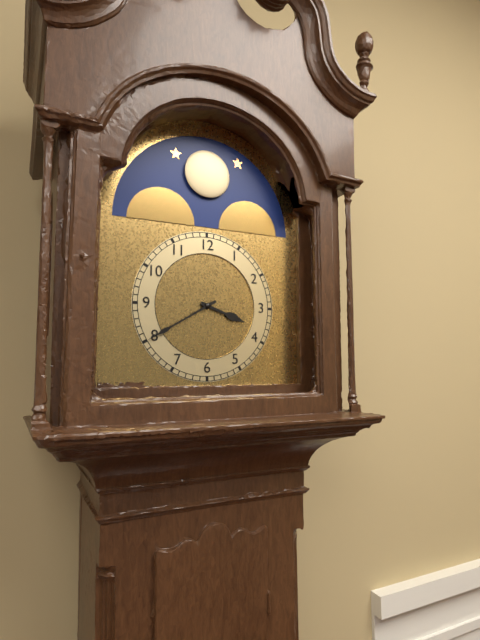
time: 3:40
